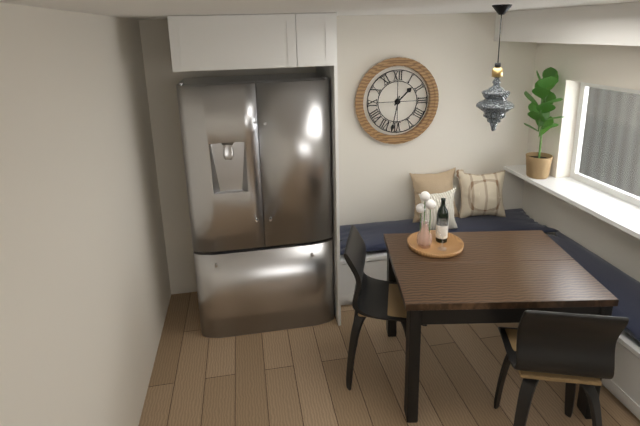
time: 1:32
